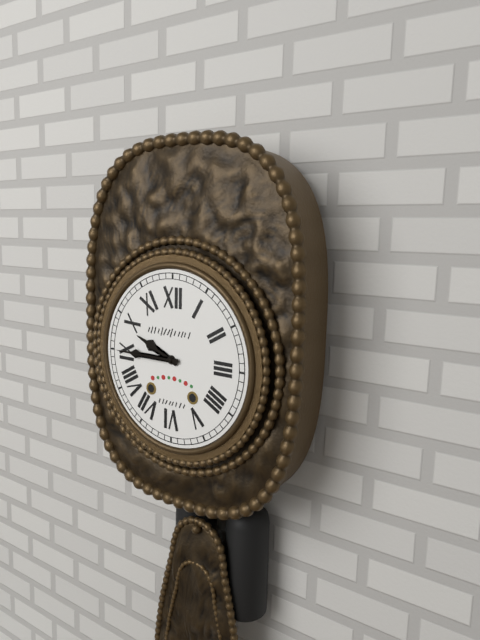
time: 9:45
